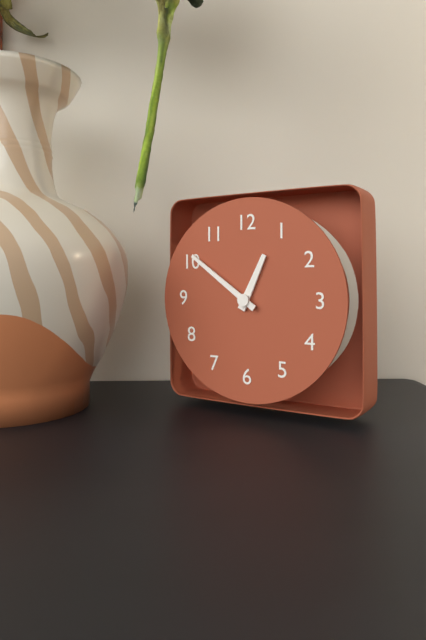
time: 12:51
